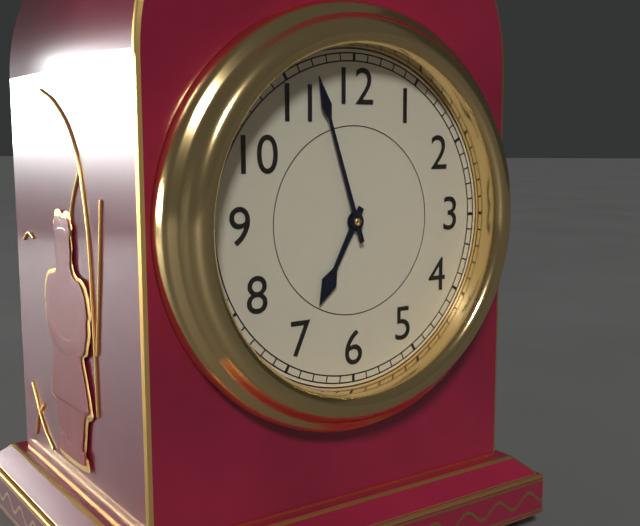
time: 6:57
